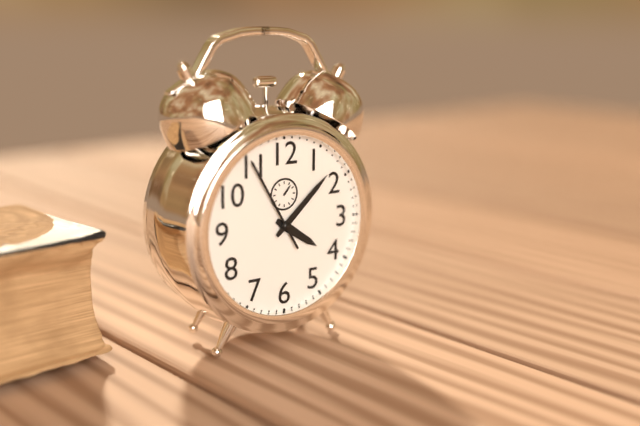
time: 4:08:55
